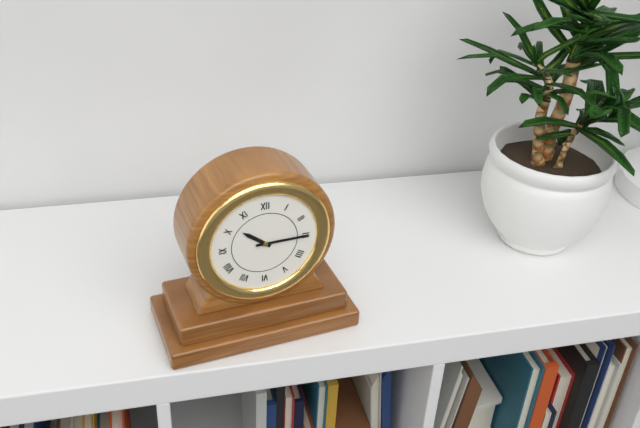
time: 10:15
